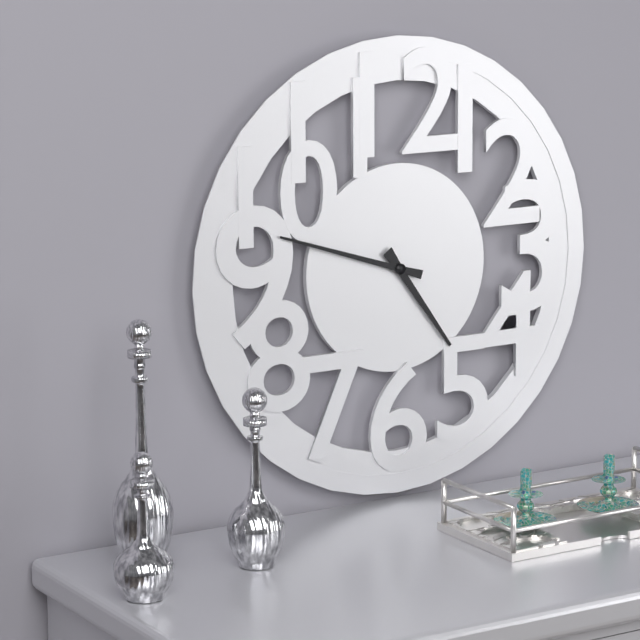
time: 4:48
